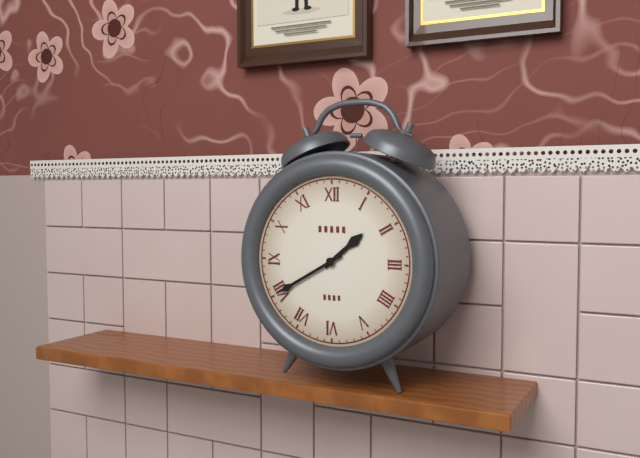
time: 1:40
